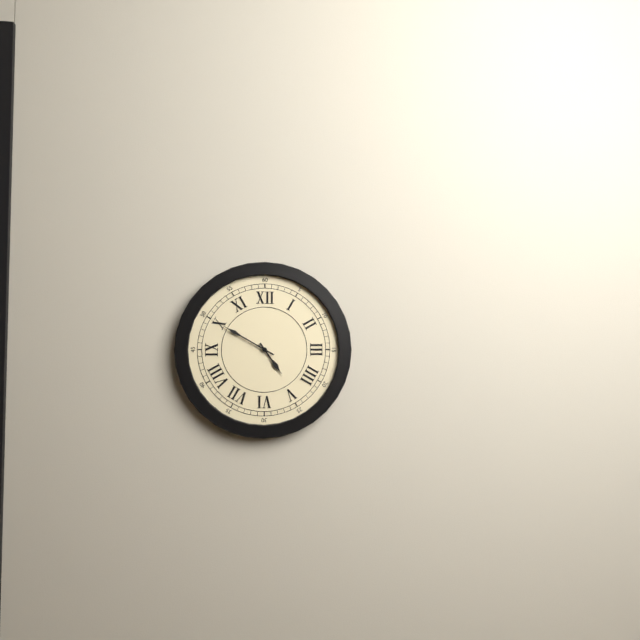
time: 4:50
